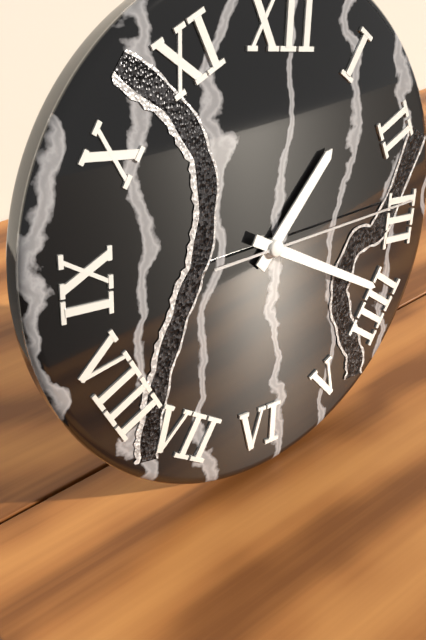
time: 1:19:14
